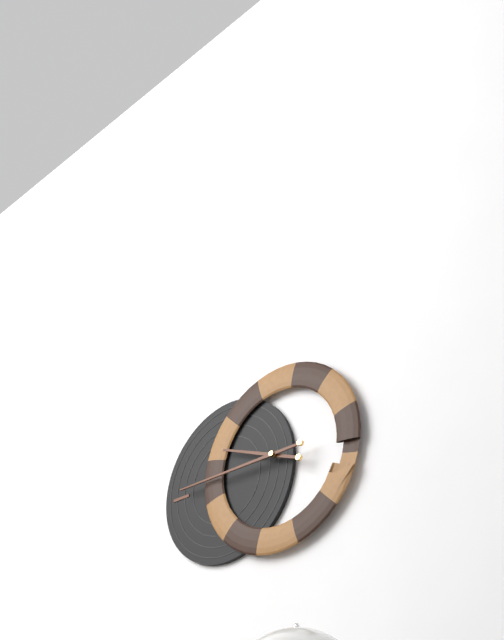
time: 9:45
